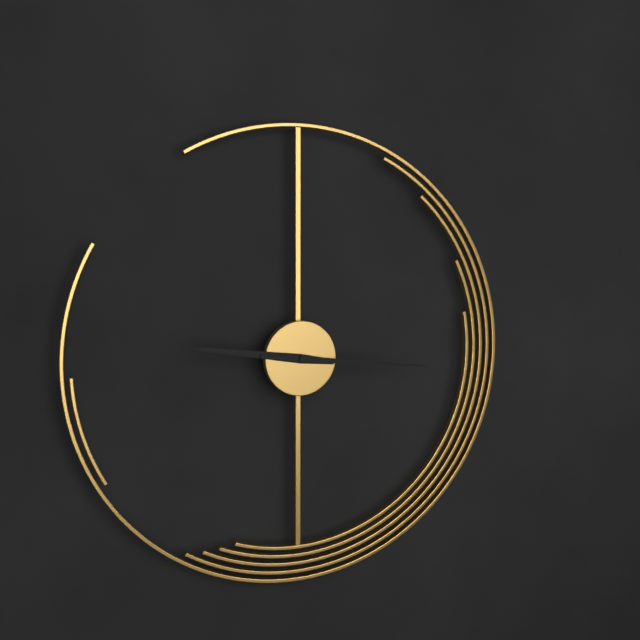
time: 9:16
